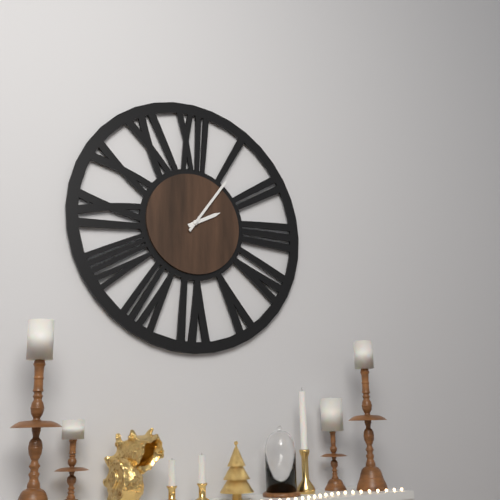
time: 2:06
